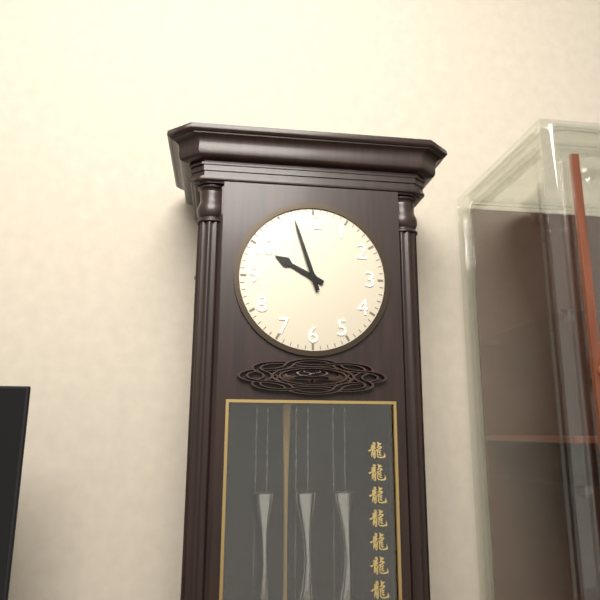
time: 9:57
